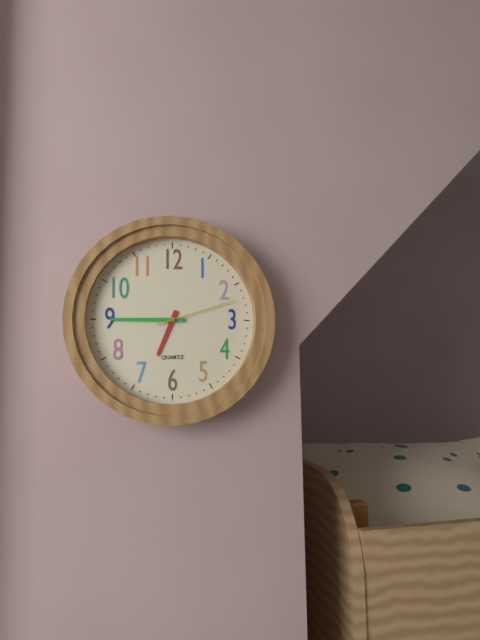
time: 6:45:12
